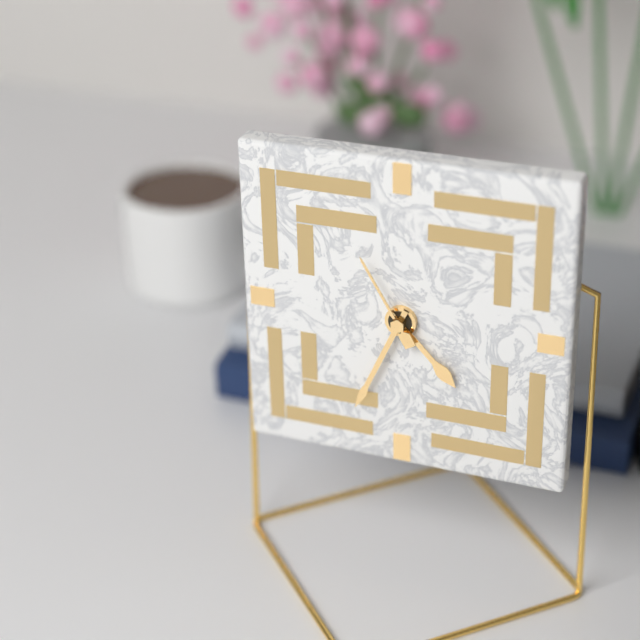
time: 4:34:55
